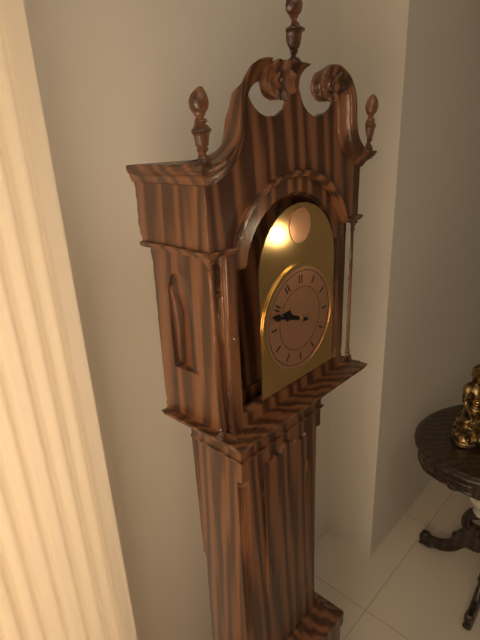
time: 9:48
